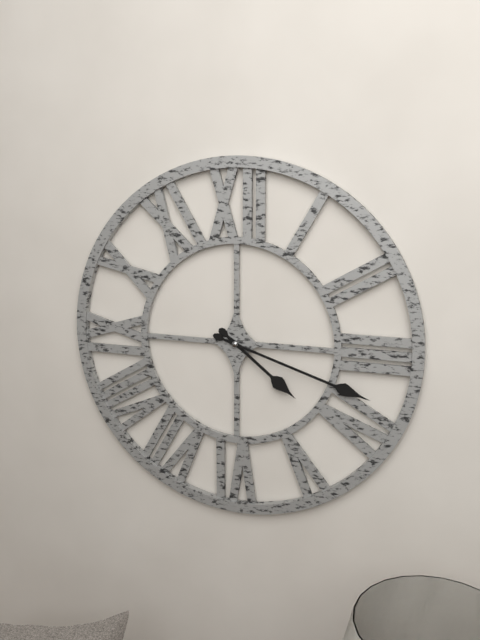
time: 4:18
